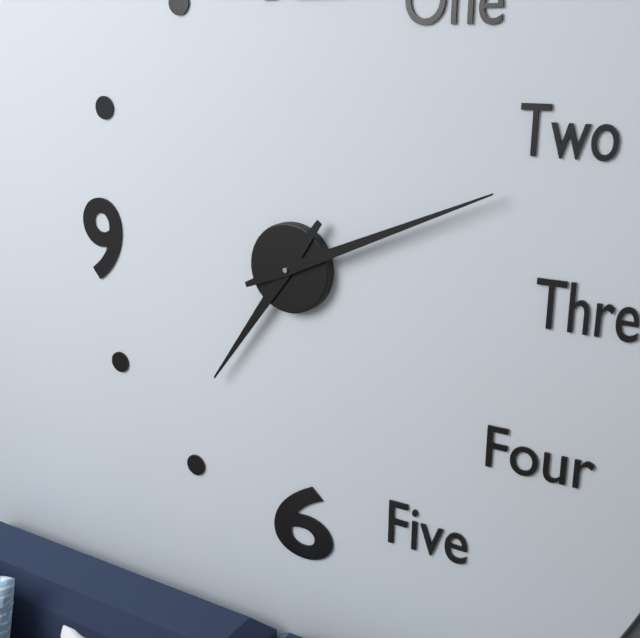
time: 7:11
